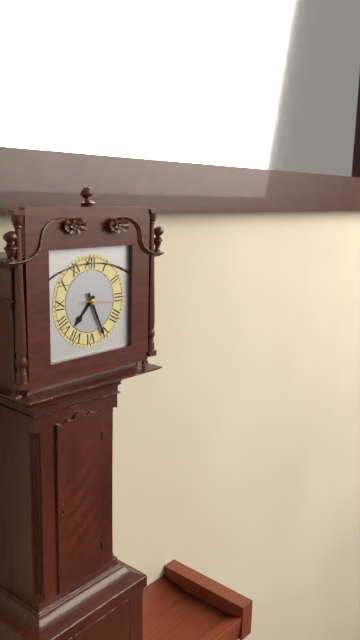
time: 7:26
